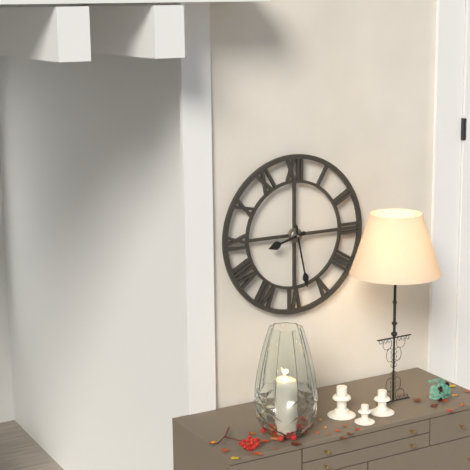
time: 8:28
